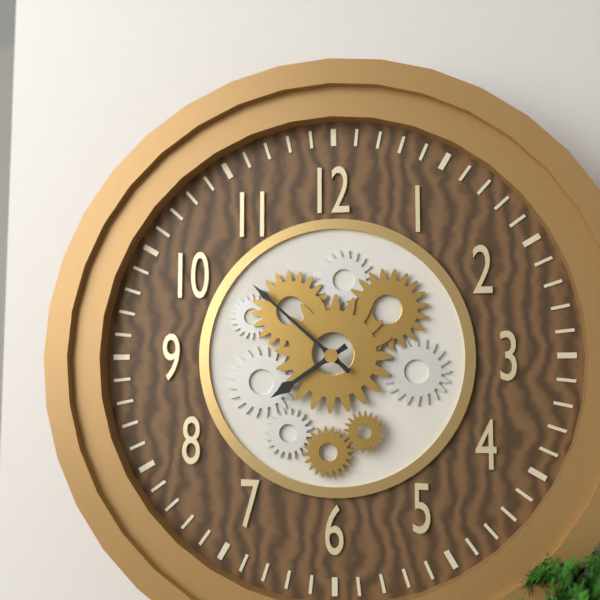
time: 7:52
